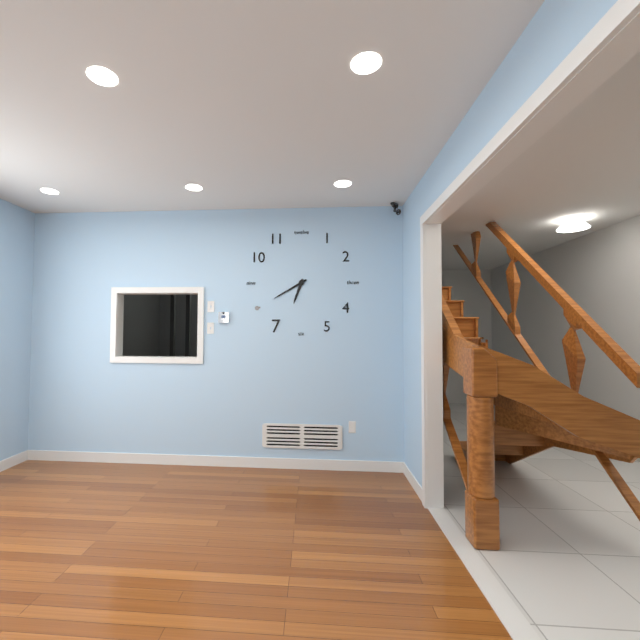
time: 6:40
